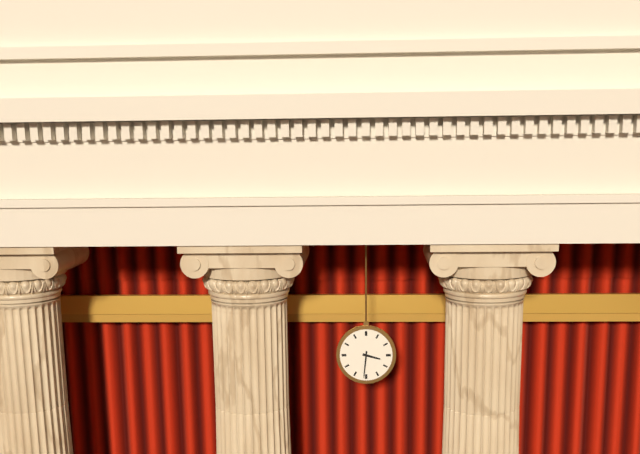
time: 3:31
